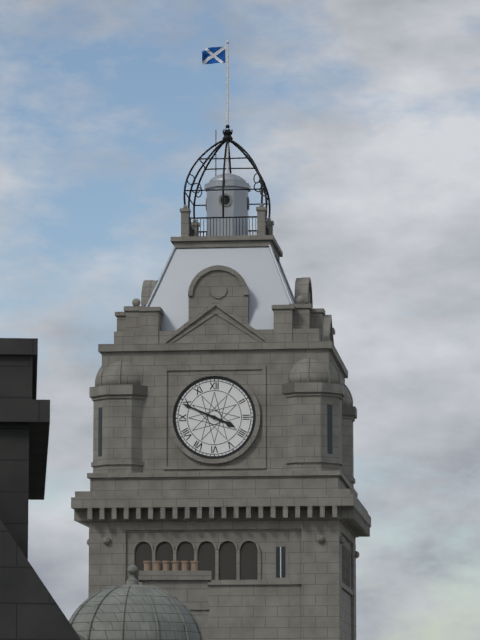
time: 3:49
